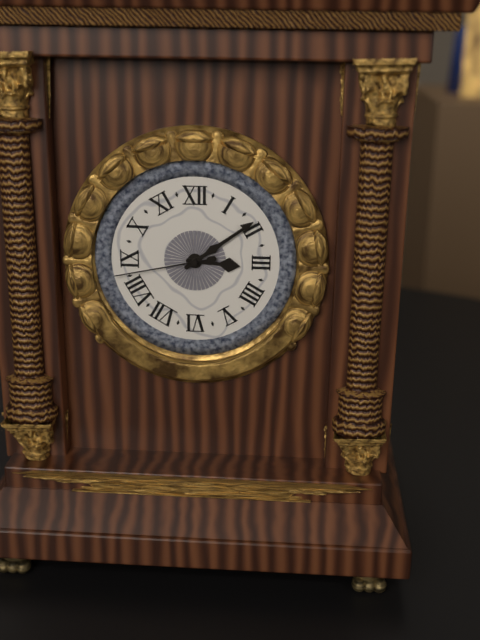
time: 3:09:43
